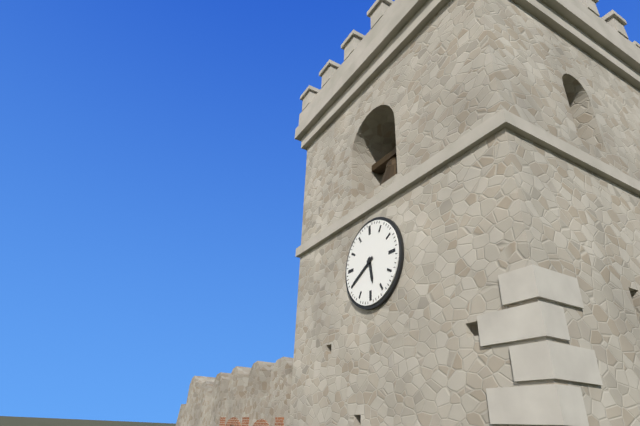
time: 5:40
